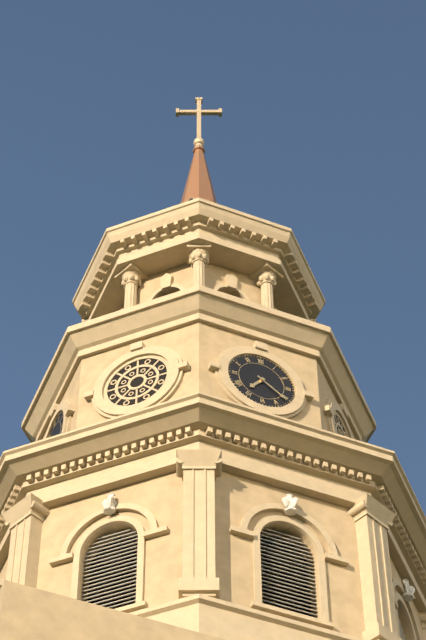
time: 7:21
